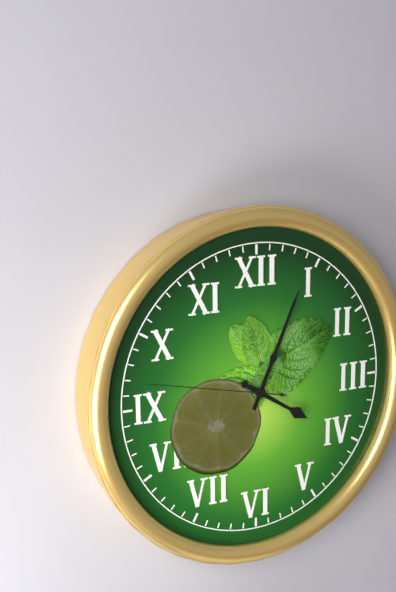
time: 4:04:47
